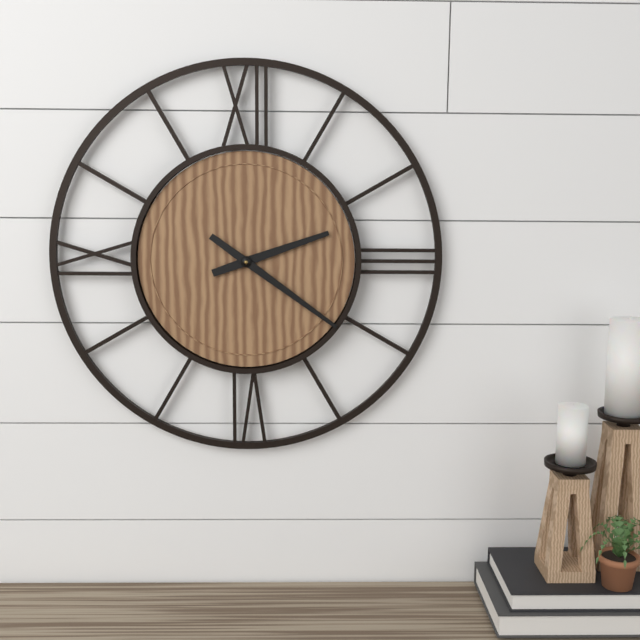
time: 2:21
